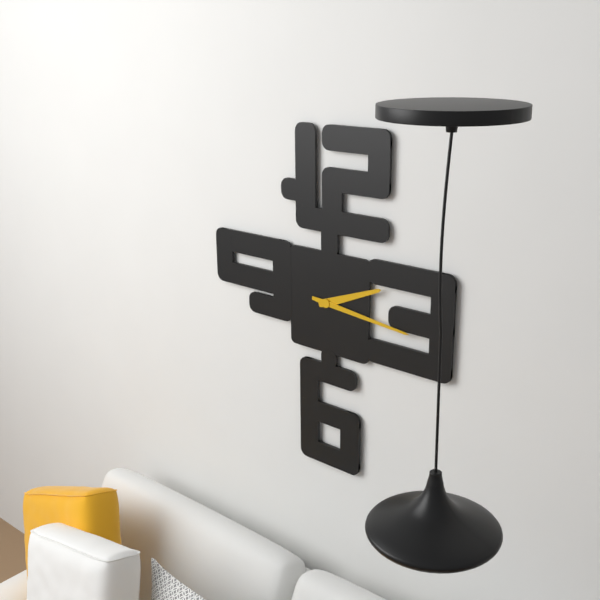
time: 2:16
